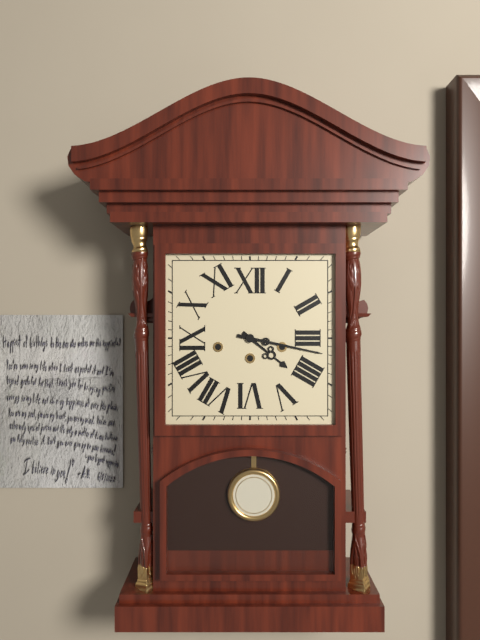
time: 4:17
